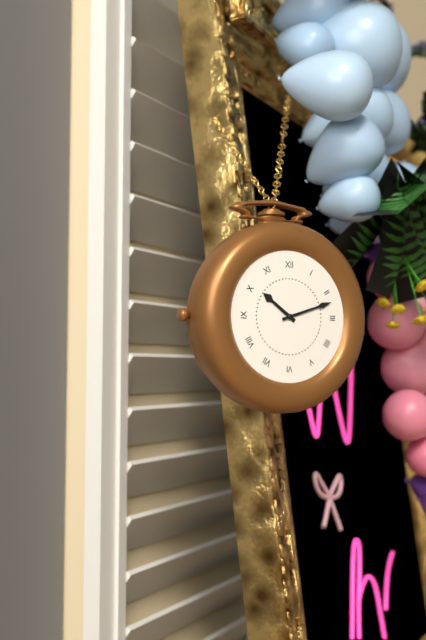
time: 10:12
